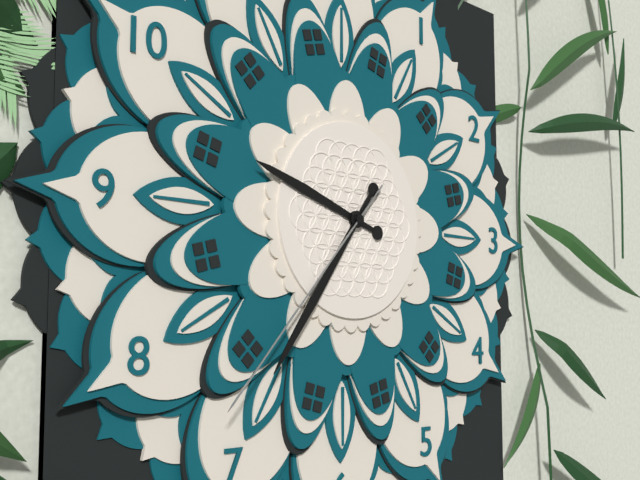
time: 9:36:37
